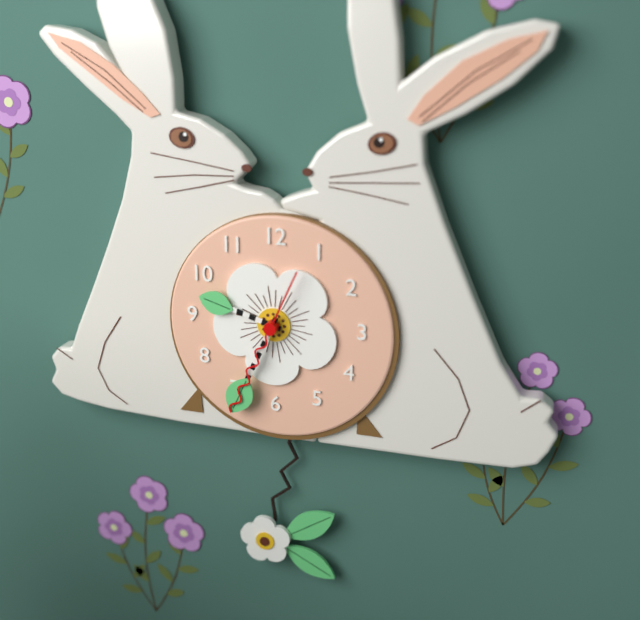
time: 9:34:34
